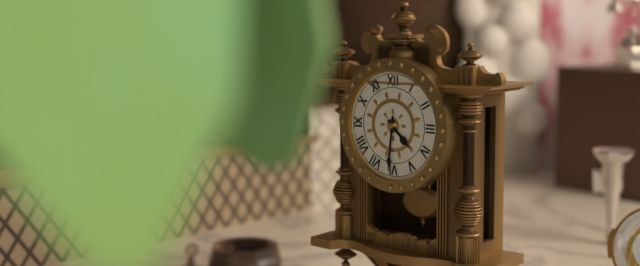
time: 4:31
